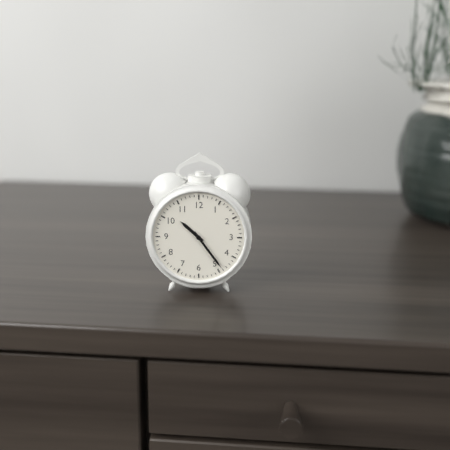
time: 10:24
